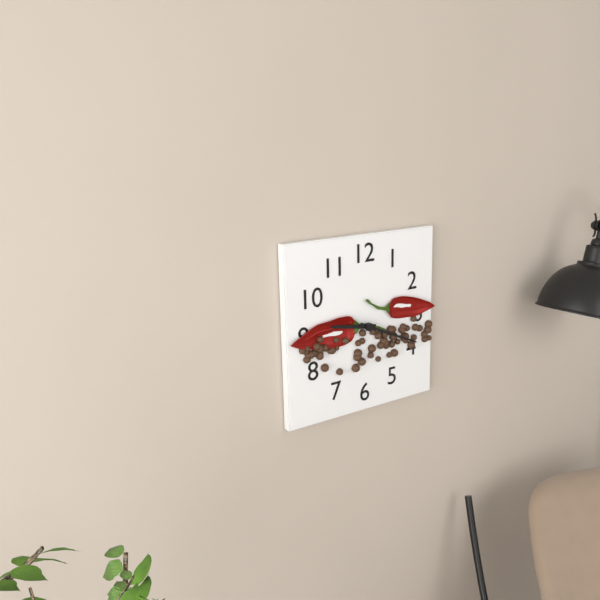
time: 9:19
